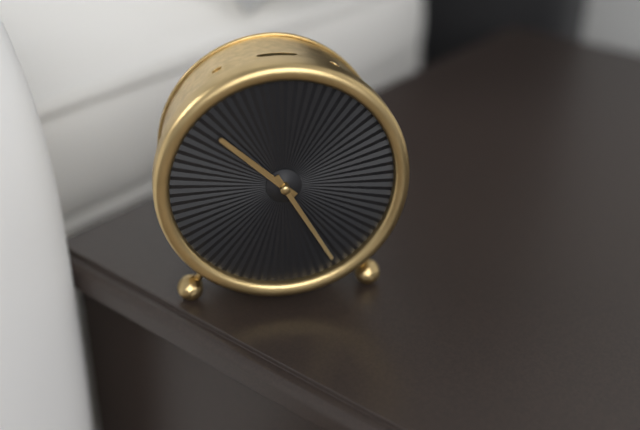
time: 10:25
